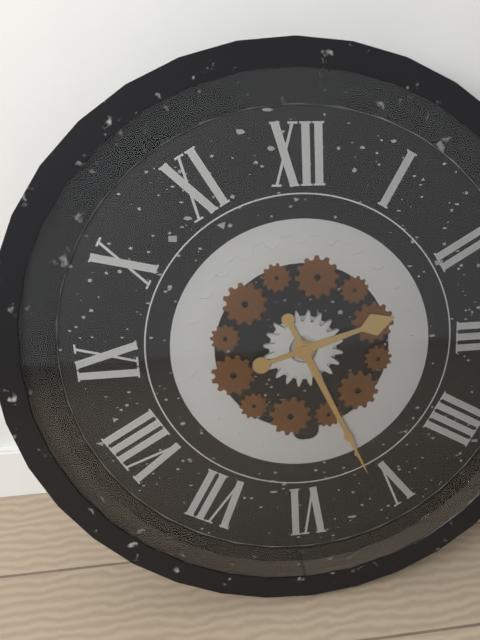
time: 2:26
